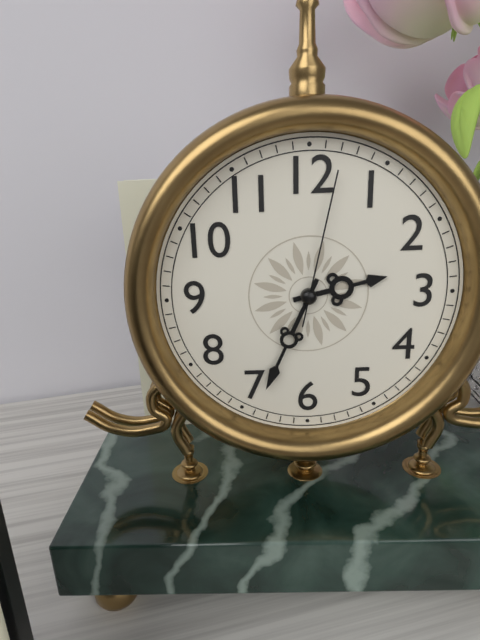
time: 2:34:02
